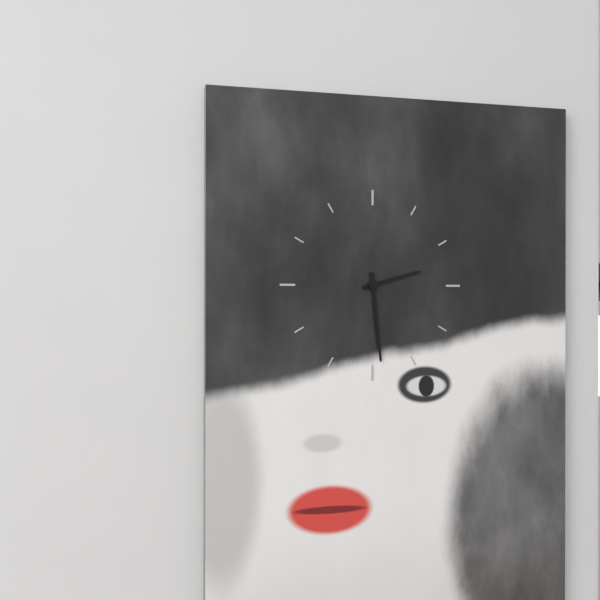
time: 2:29
